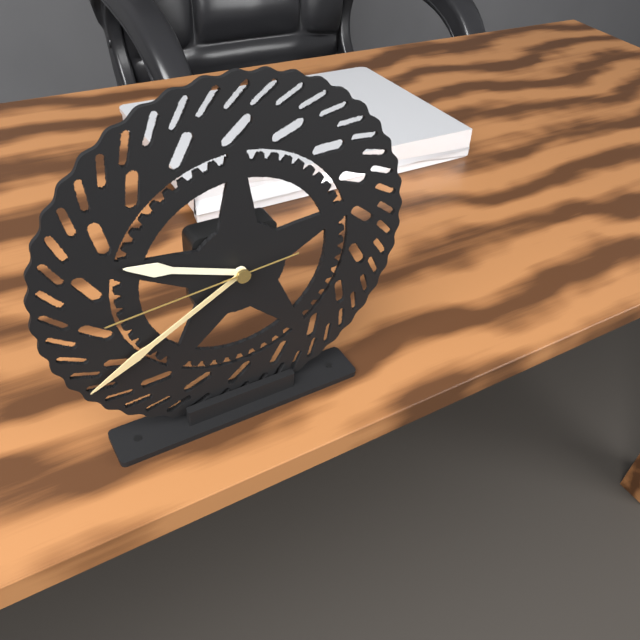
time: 9:40:44
